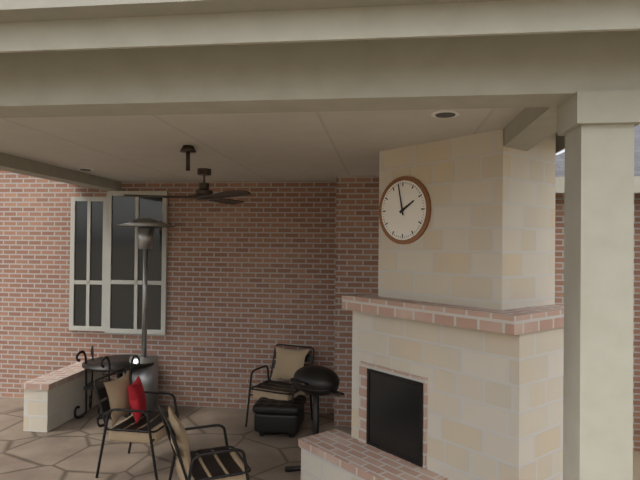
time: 1:58
